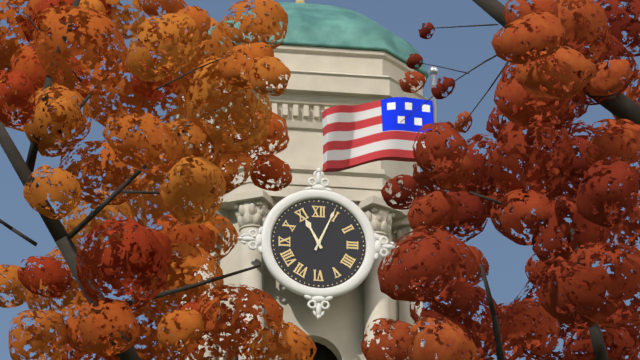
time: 11:04
